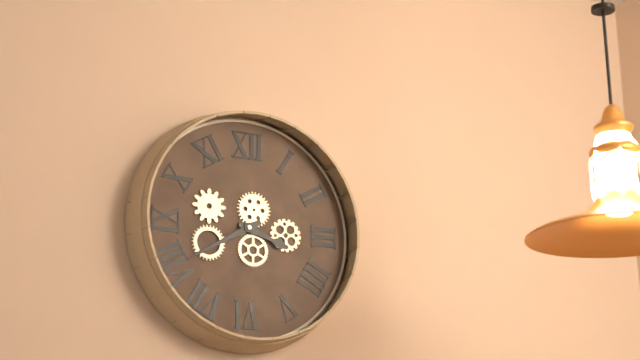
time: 3:40
